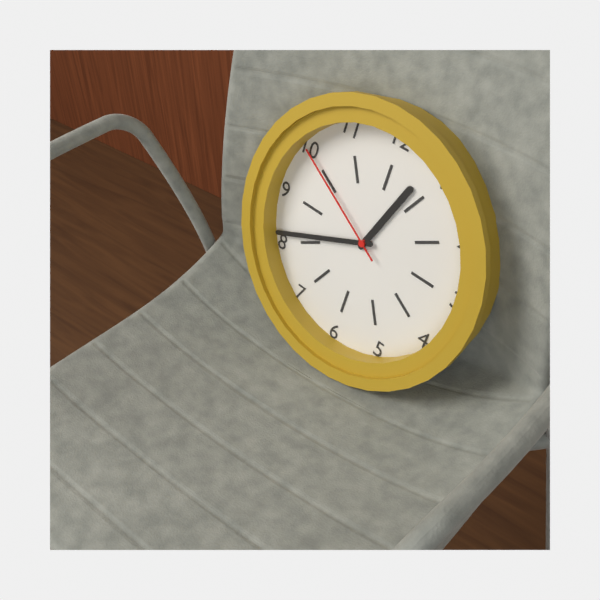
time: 12:41:50
